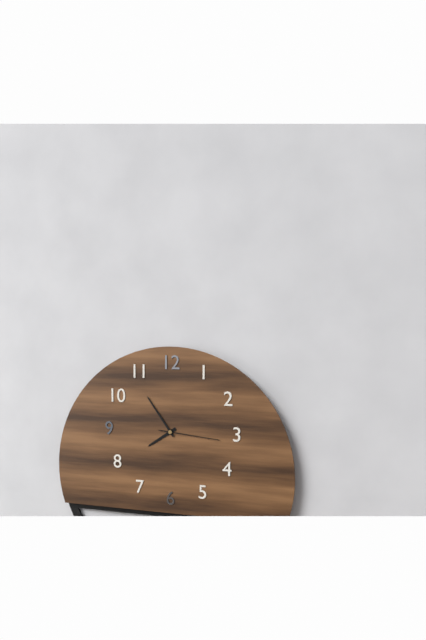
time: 7:54:16
